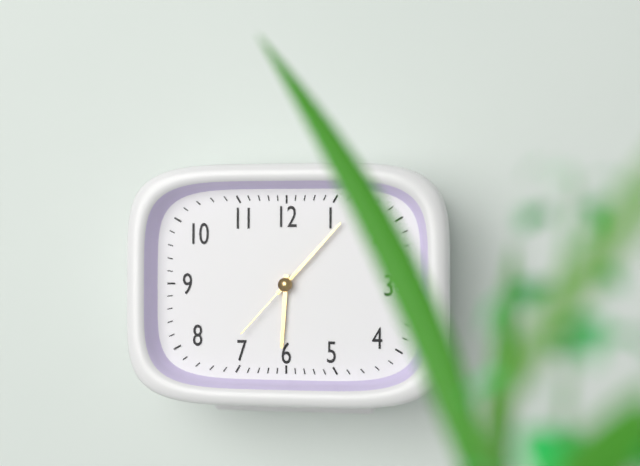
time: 6:07:37
